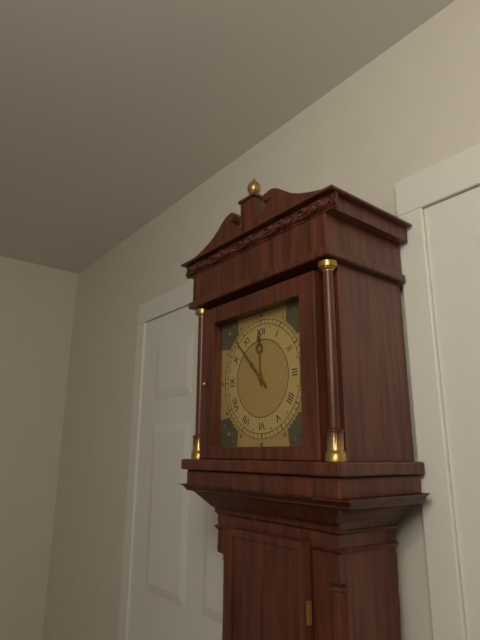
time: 11:53
